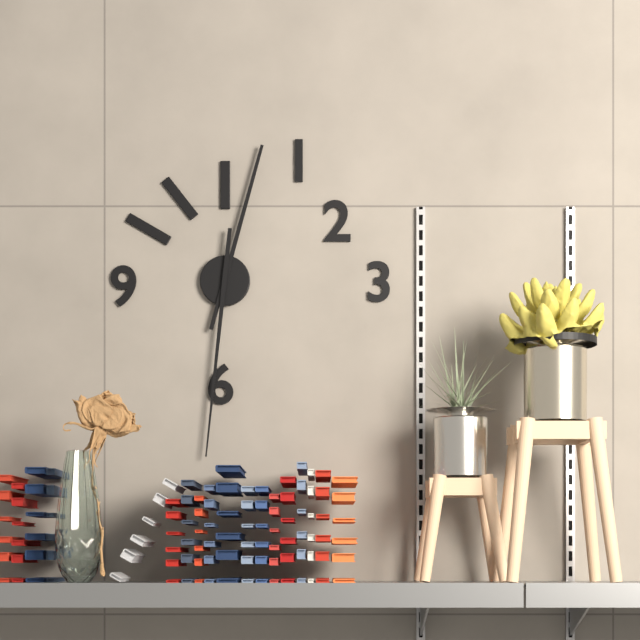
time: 12:31
